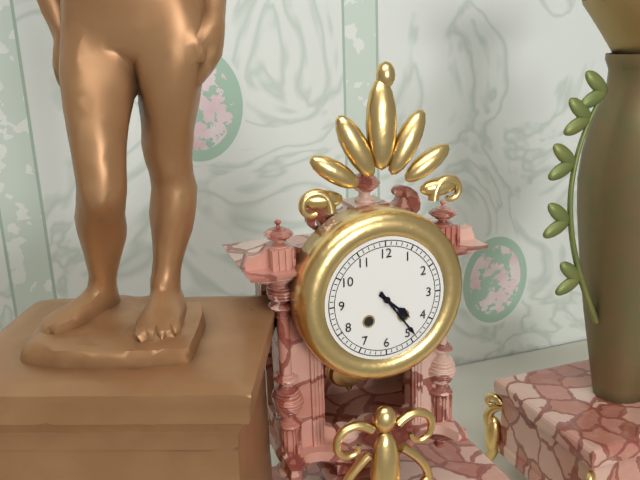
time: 4:24
